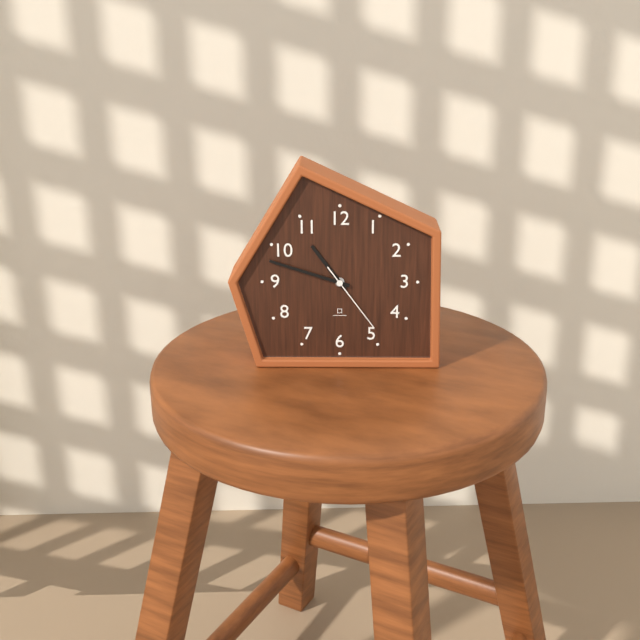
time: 10:48:24
